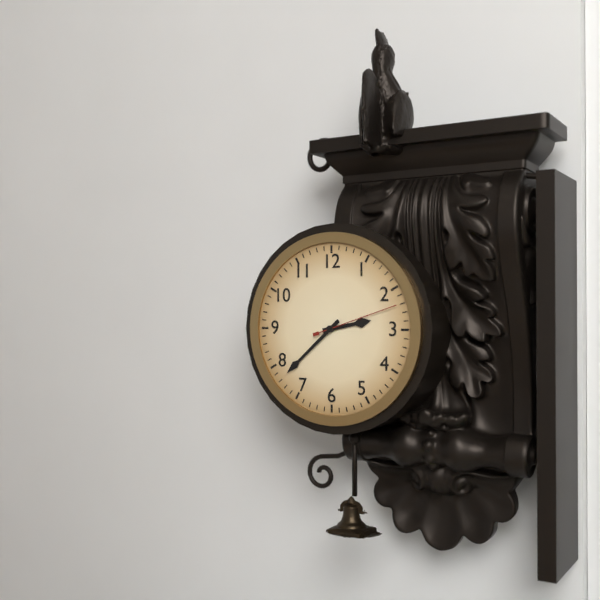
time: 2:38:12
